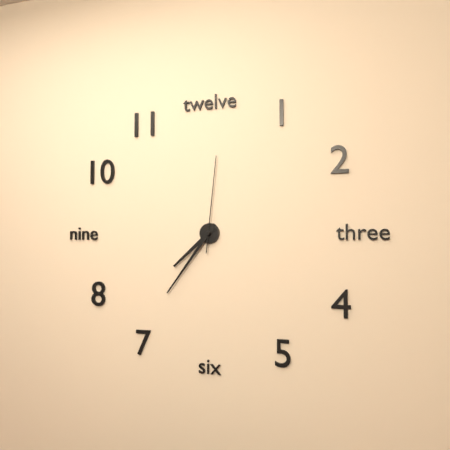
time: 7:36:01
